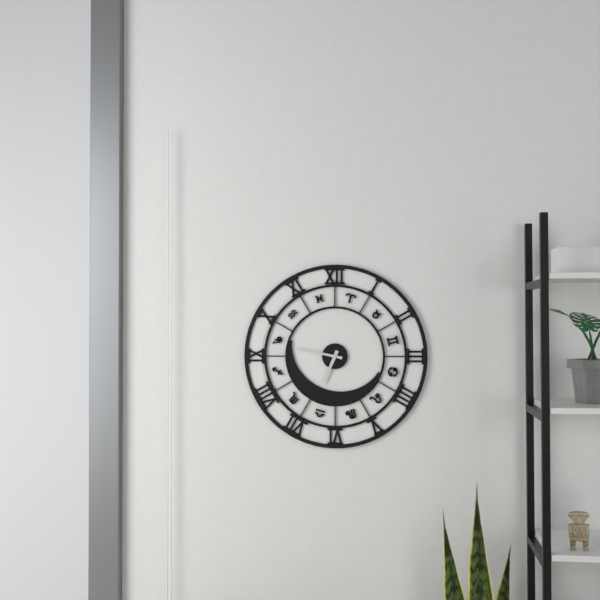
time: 6:47
